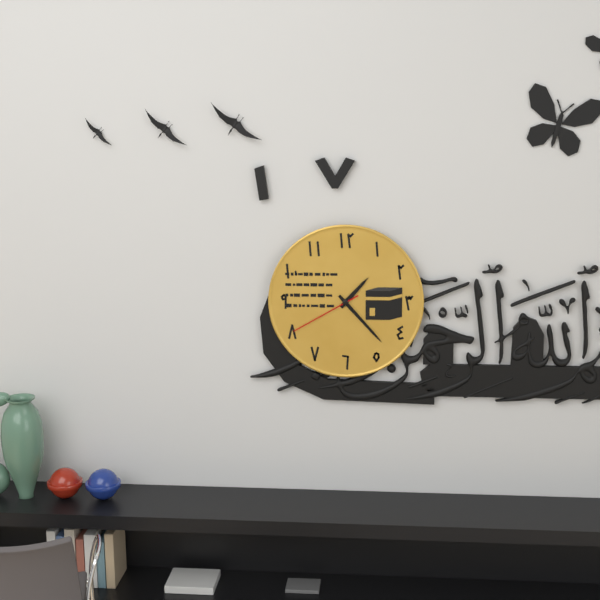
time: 1:23:40
